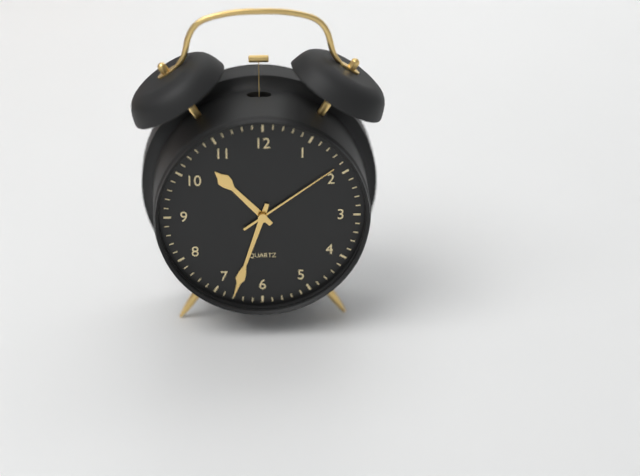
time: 10:33:09
